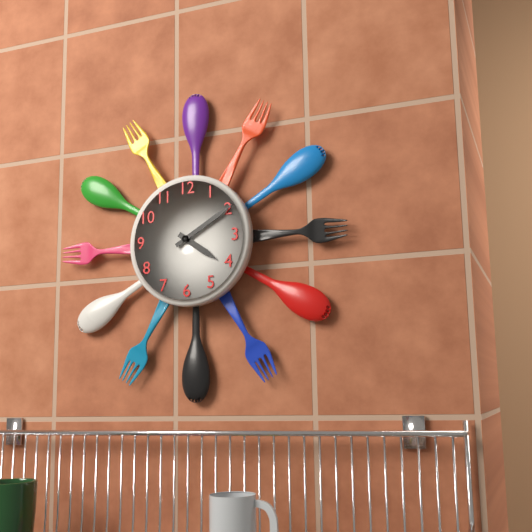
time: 4:10
